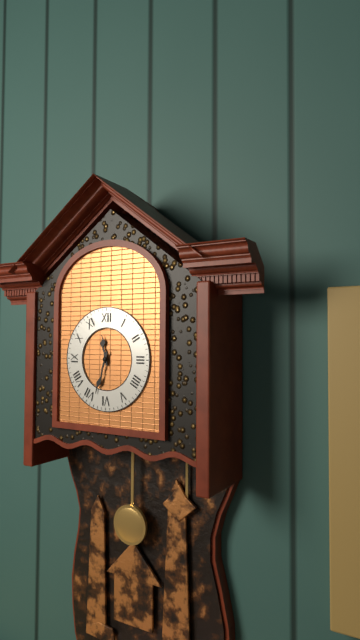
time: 11:33
